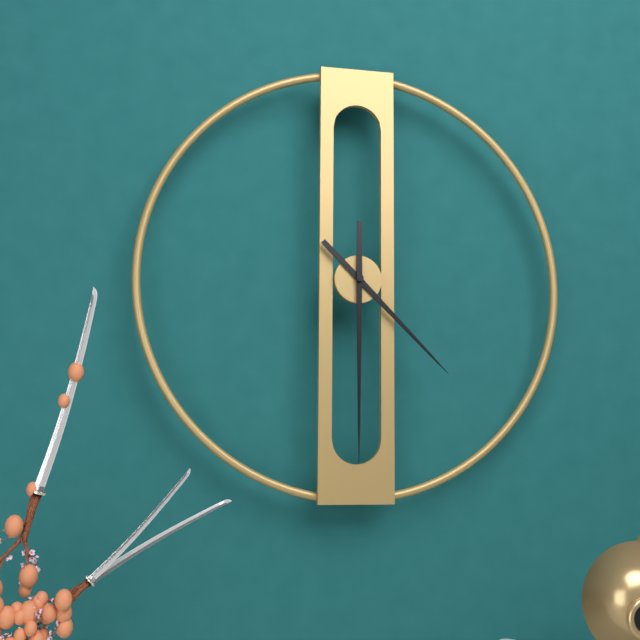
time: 4:30
